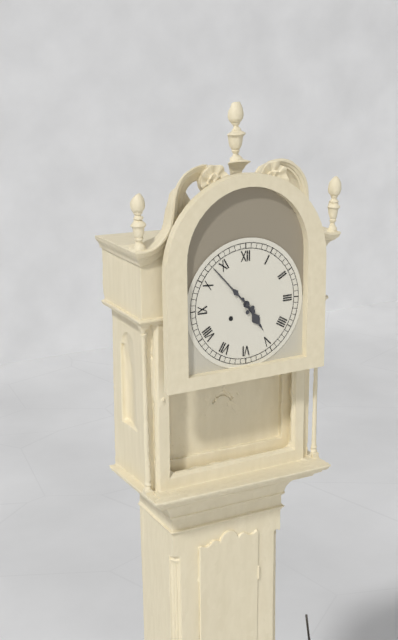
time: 4:53
